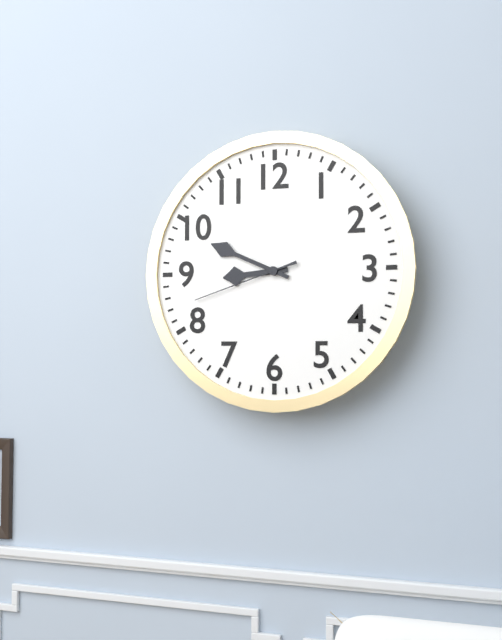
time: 8:49:42
